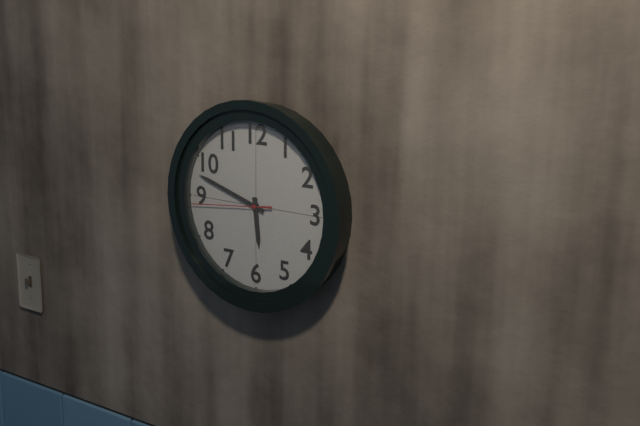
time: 5:48:44
